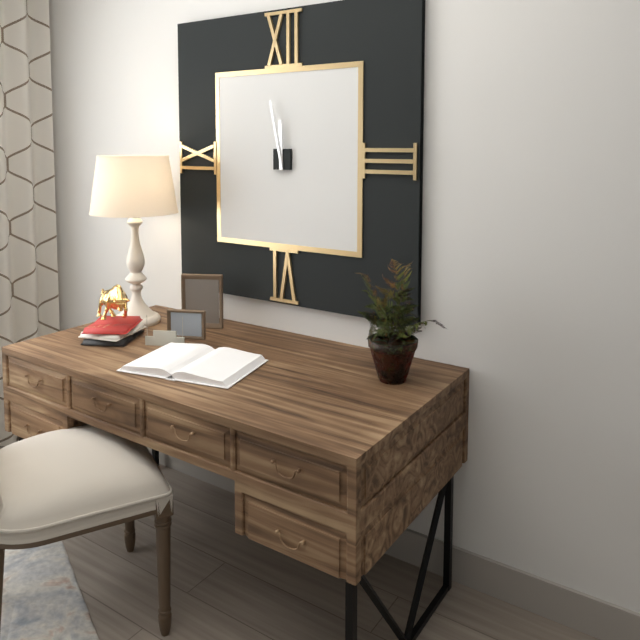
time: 11:58
